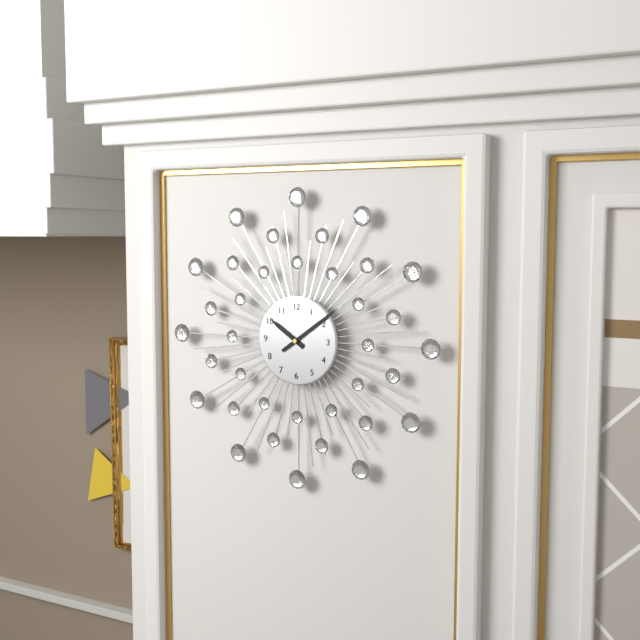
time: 10:09
